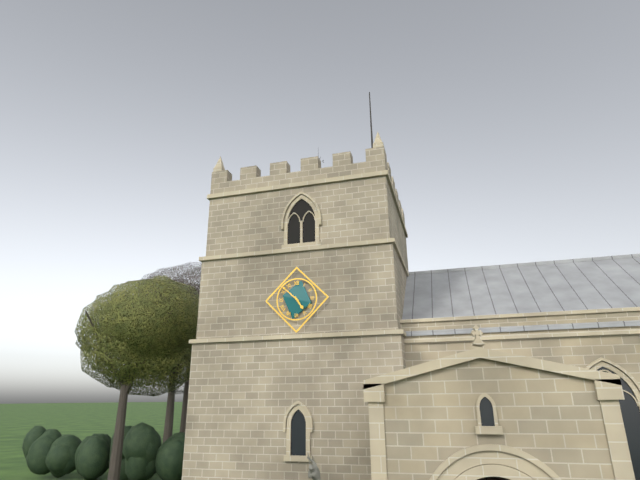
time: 4:52
